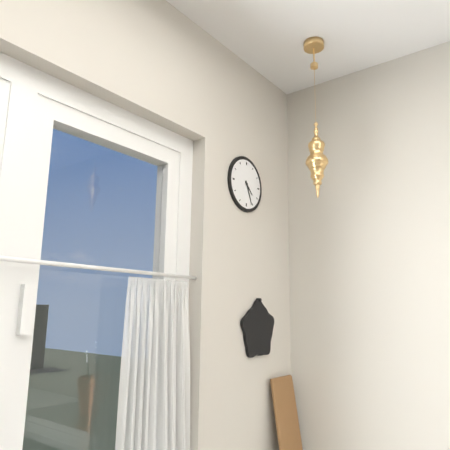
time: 4:26
